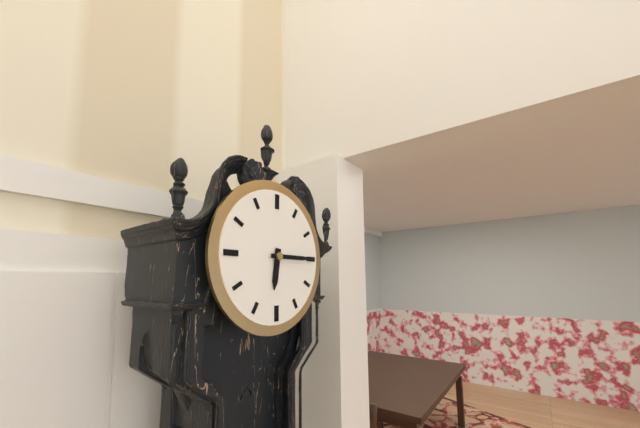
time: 6:15
